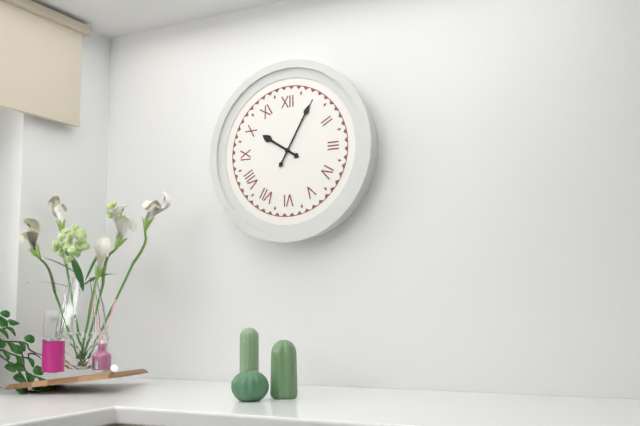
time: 10:05
